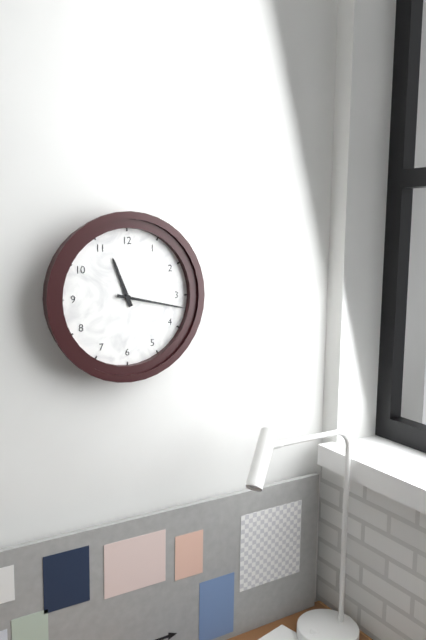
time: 11:17
